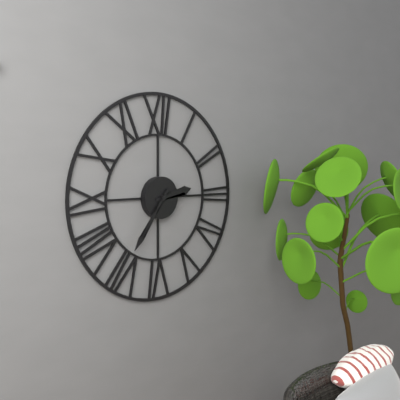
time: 2:36
